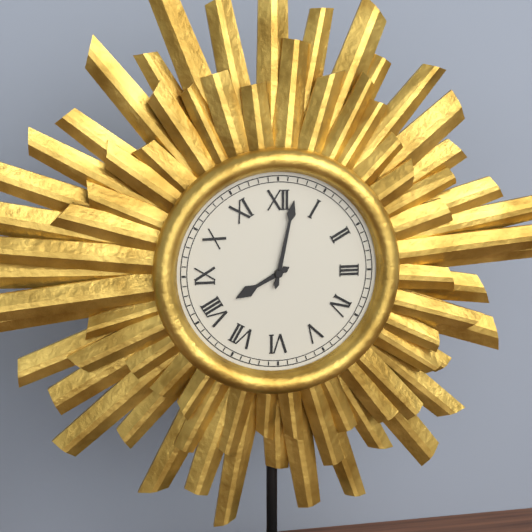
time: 8:02
